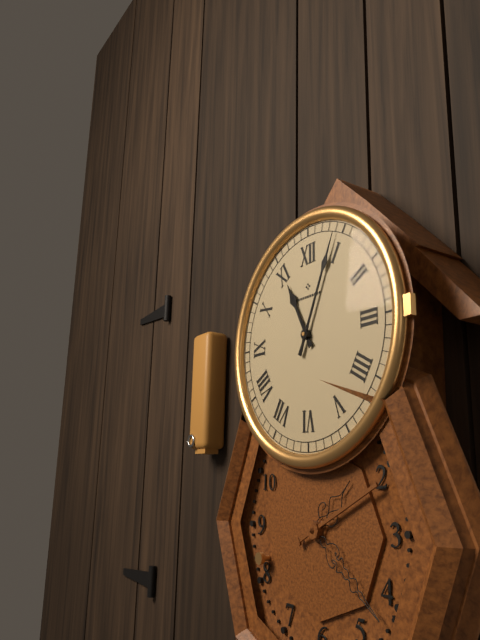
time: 11:04
